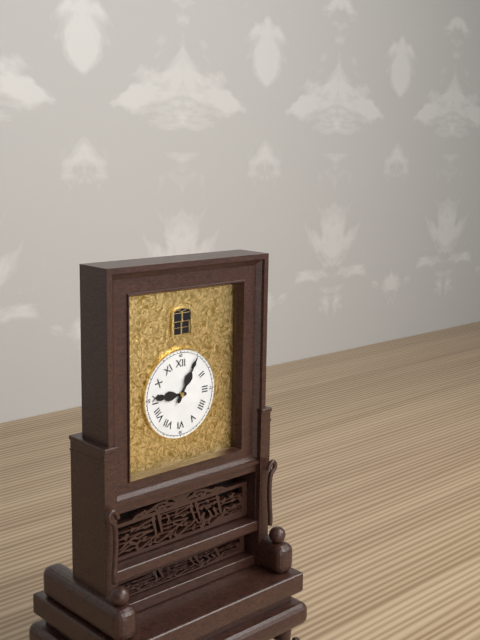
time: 9:05
